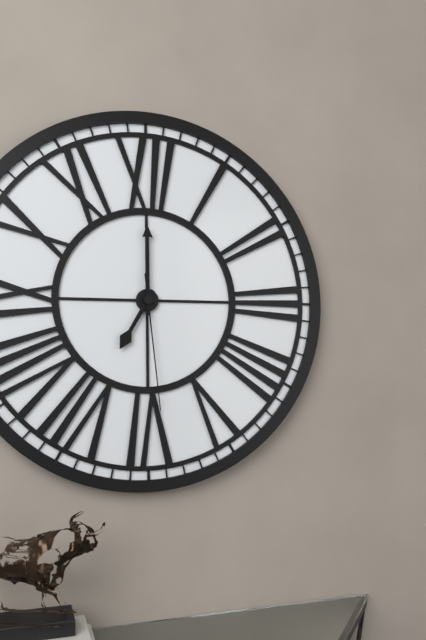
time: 7:00:29
